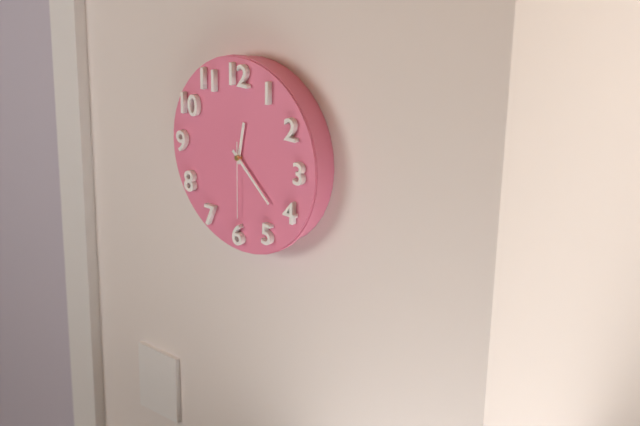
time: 12:22:30
